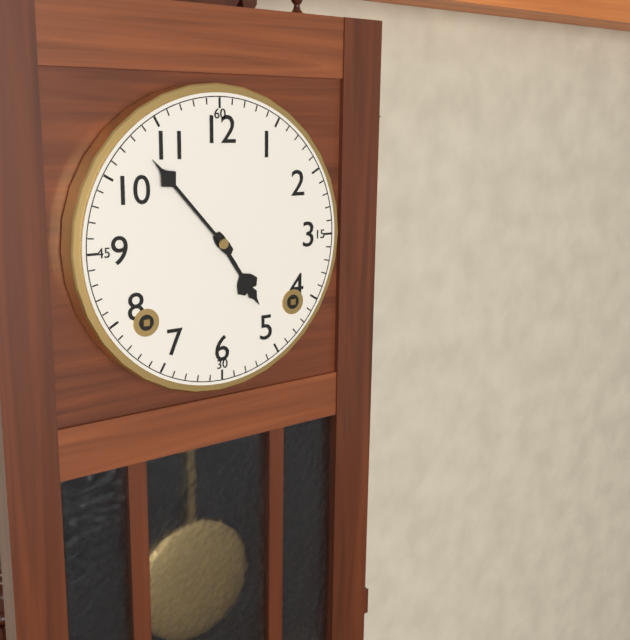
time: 4:53
